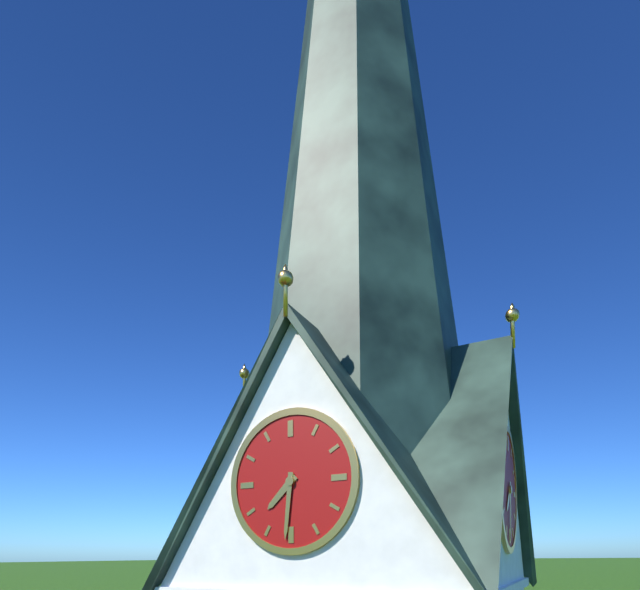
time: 7:31
